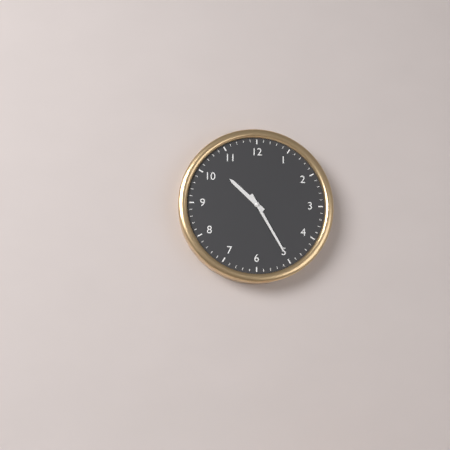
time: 10:25
